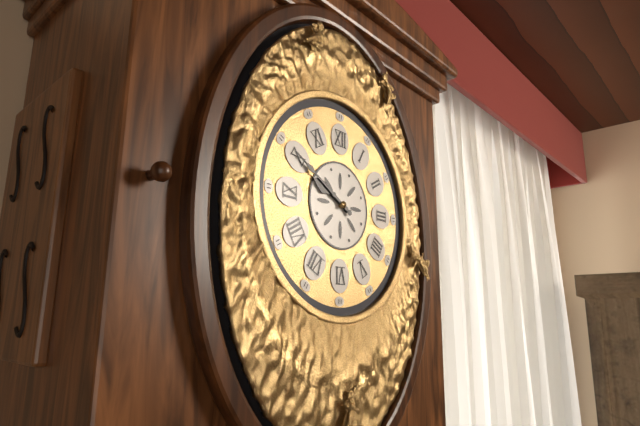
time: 9:50
